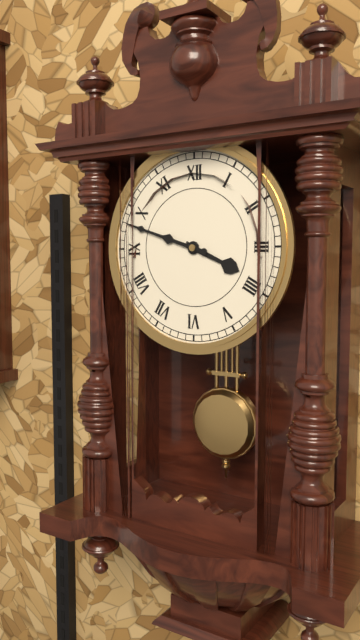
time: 3:48
